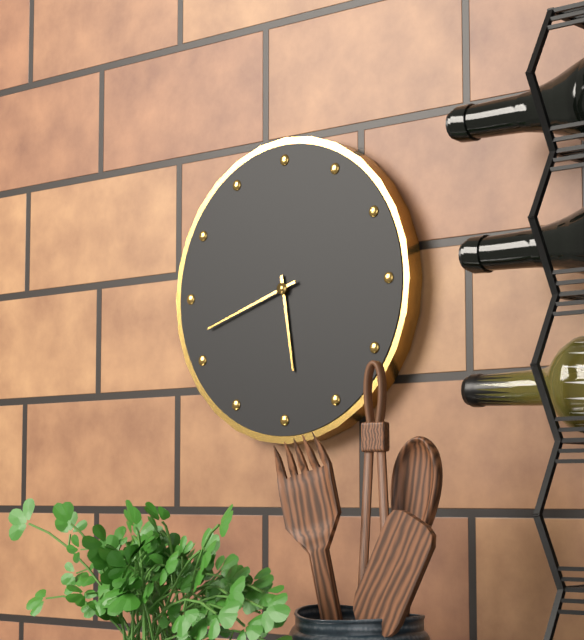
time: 5:42
